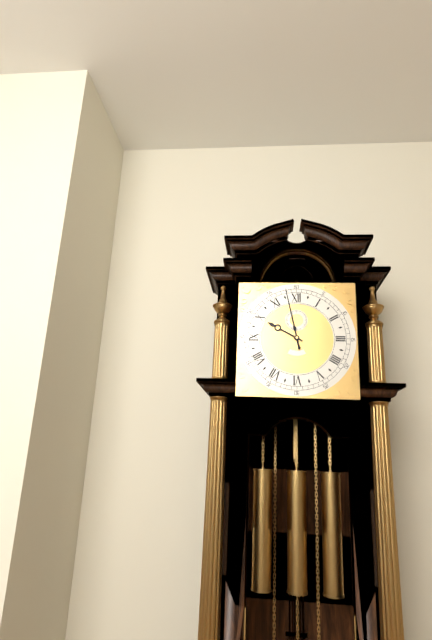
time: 9:58
